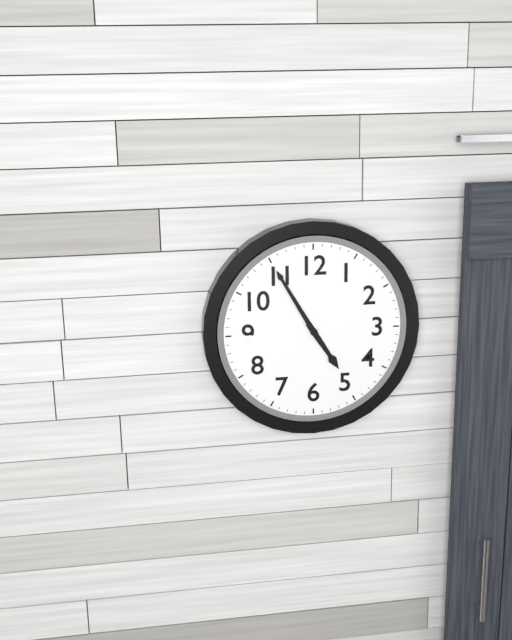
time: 4:55
